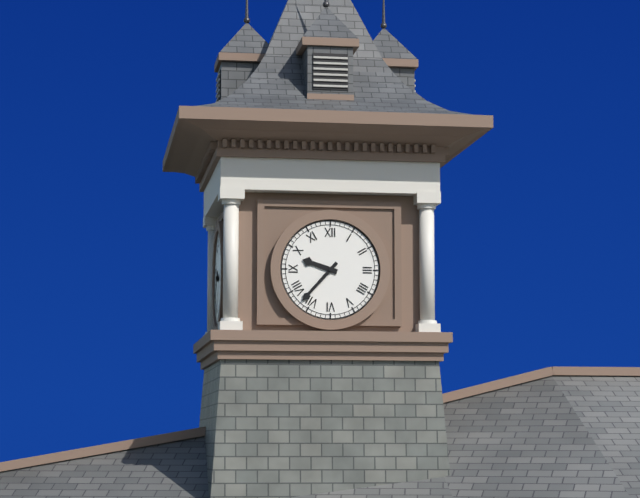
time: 9:37
